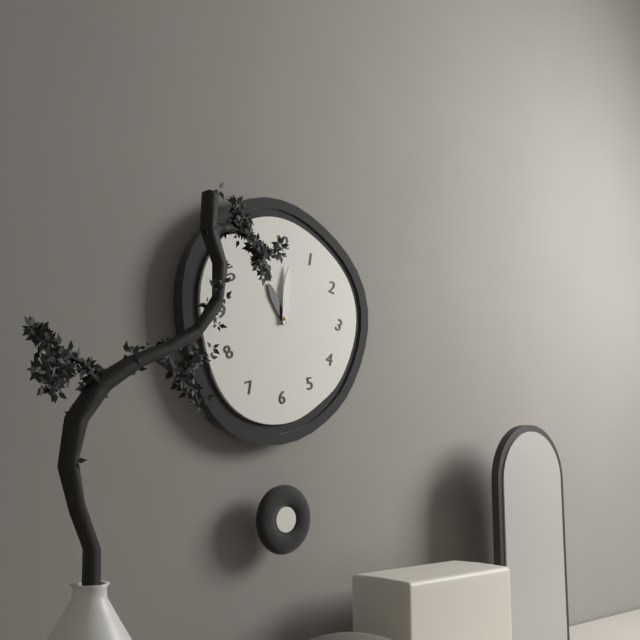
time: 11:01
